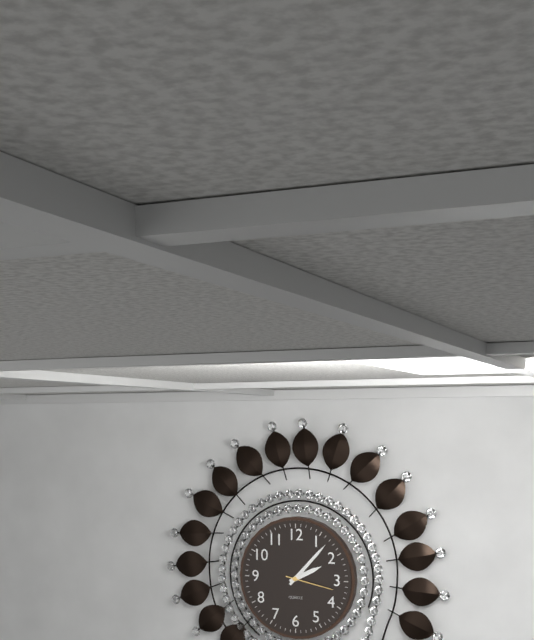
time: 2:07:17
